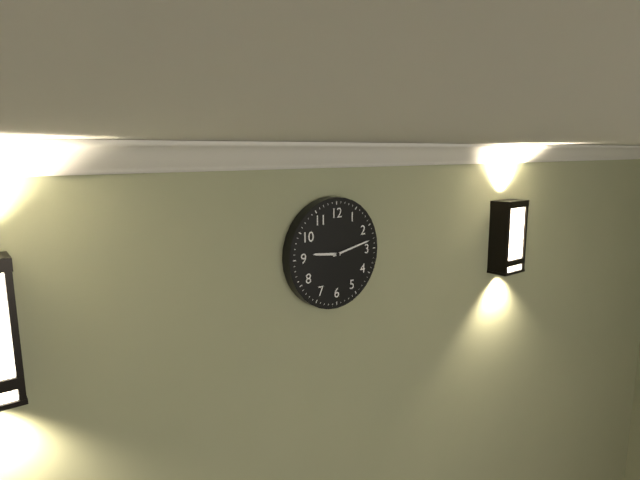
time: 9:13
